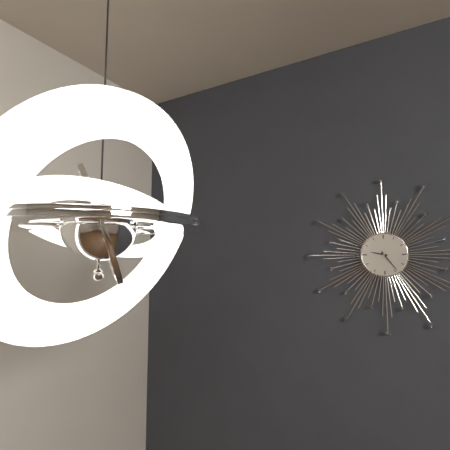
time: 9:24
